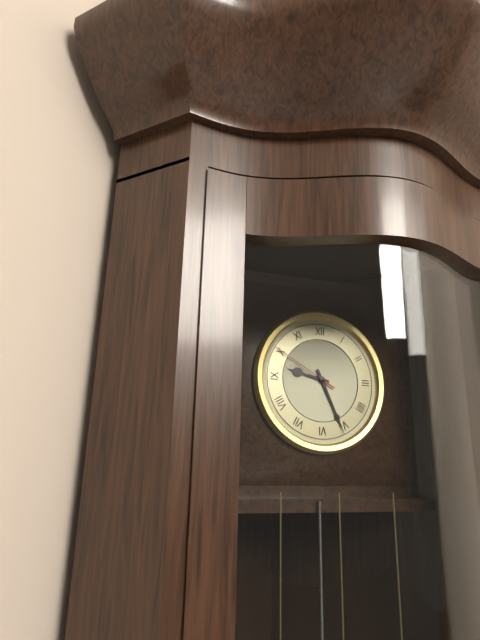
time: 9:26:50
